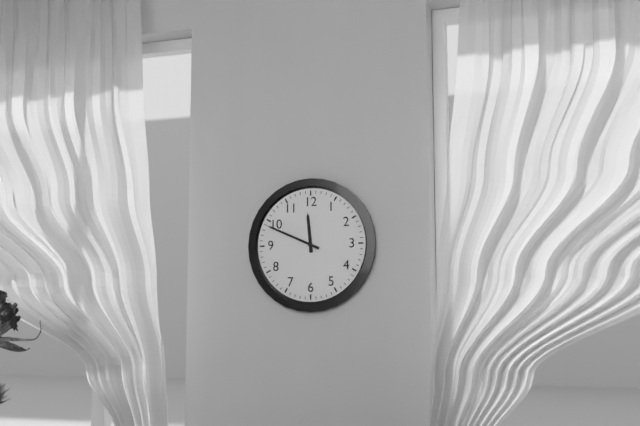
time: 11:49
